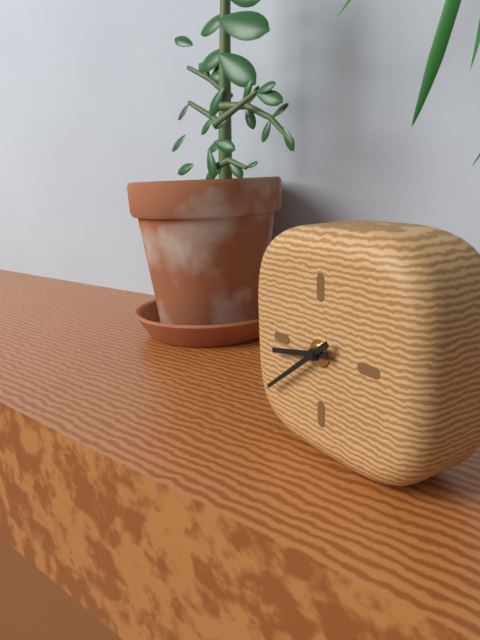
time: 8:39
